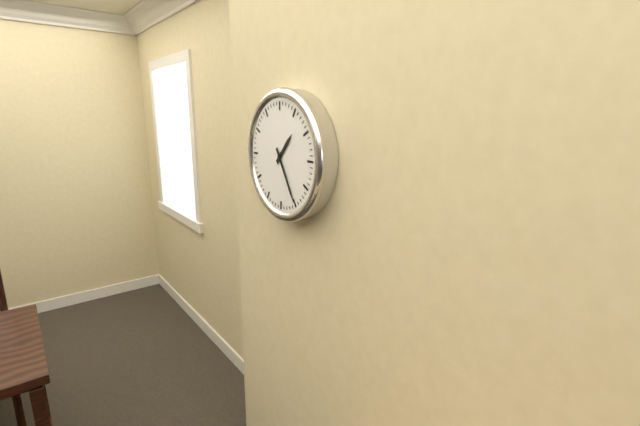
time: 1:25
